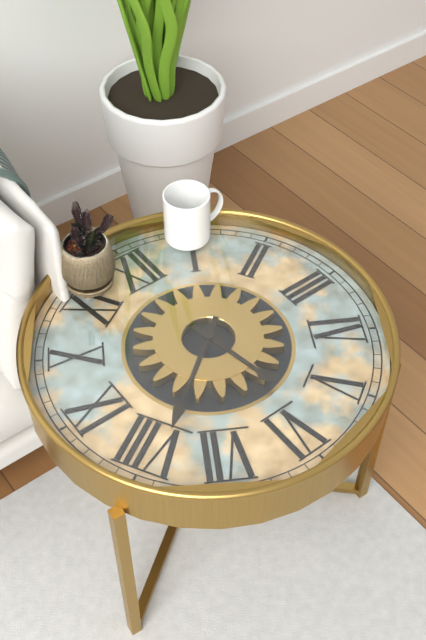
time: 5:39
